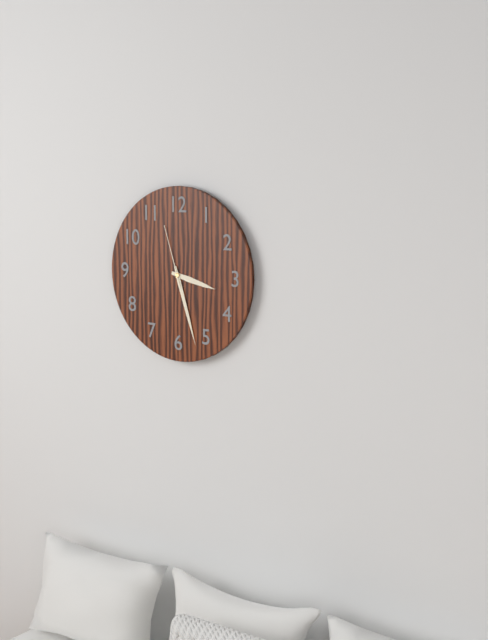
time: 3:27:57
